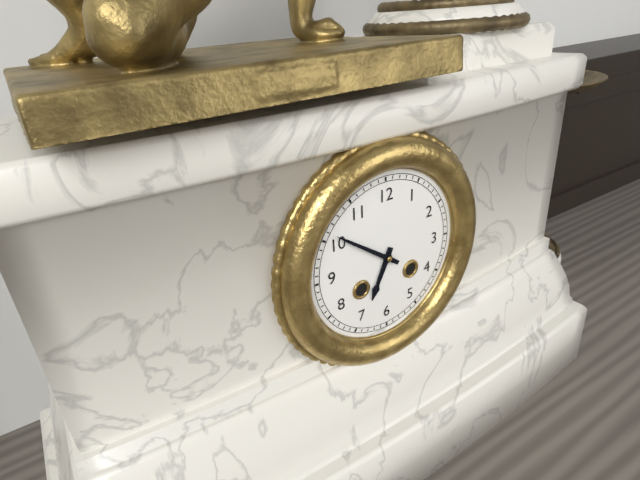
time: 6:51
